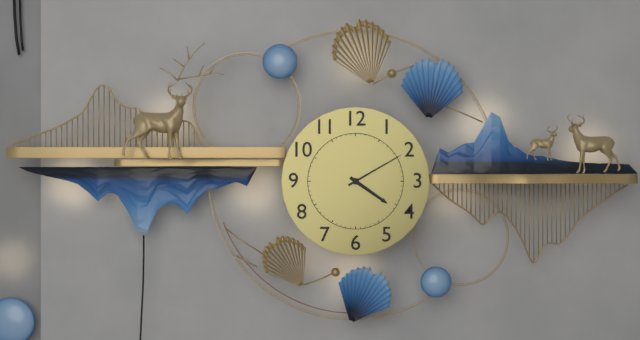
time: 4:10
